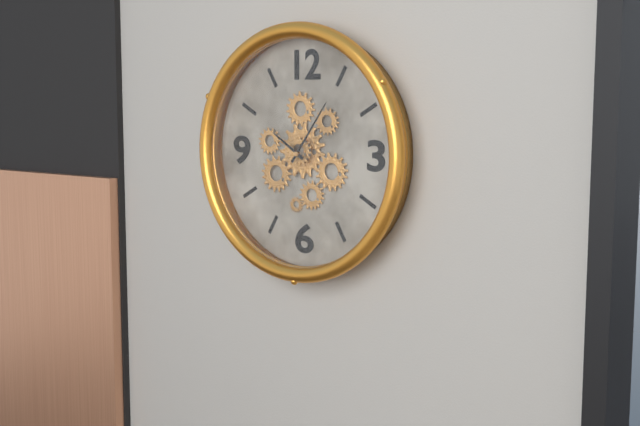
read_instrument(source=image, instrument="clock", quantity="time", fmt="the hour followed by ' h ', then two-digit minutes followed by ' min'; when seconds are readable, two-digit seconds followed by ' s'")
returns 10 h 06 min
